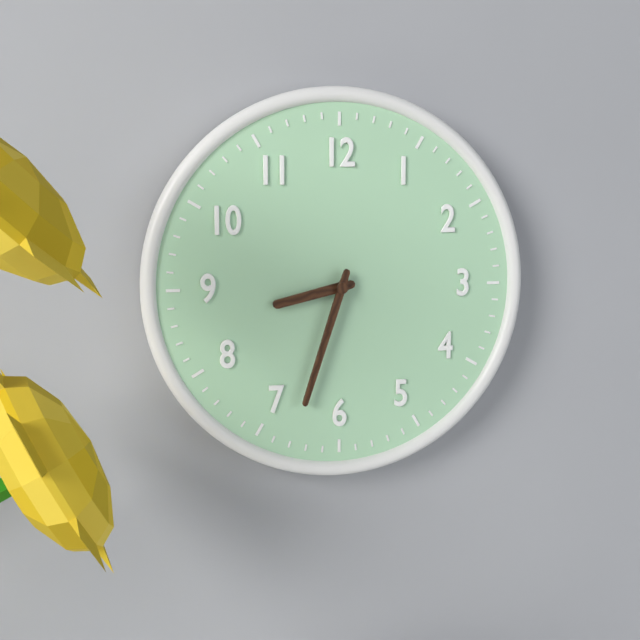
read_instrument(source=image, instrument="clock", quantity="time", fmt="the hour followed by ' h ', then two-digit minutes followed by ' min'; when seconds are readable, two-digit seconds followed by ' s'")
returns 8 h 33 min
